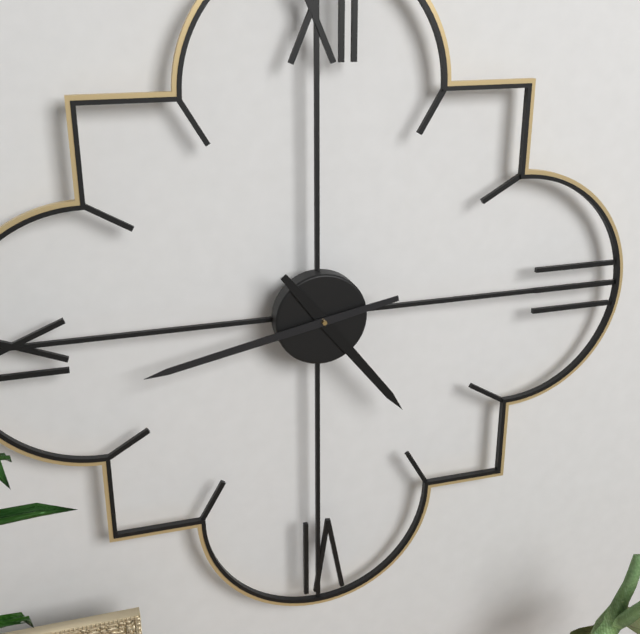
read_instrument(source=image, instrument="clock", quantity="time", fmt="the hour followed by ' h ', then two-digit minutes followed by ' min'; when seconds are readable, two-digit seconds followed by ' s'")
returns 4 h 43 min
